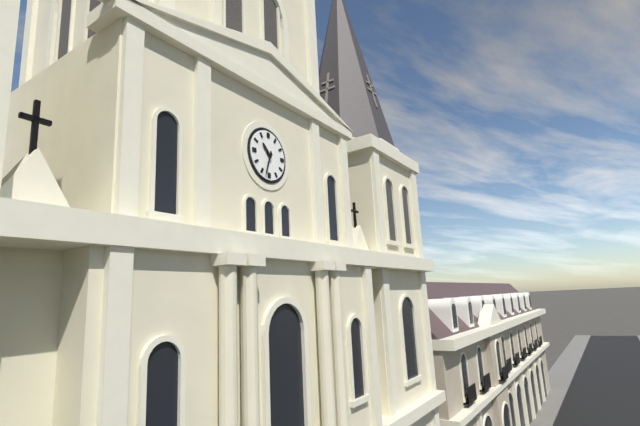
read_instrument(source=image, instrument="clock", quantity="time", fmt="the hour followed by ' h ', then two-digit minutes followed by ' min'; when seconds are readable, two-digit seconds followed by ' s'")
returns 10 h 33 min
